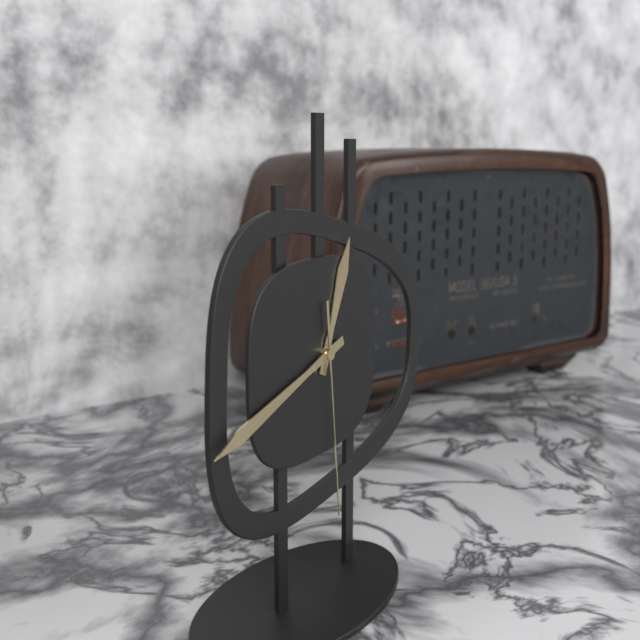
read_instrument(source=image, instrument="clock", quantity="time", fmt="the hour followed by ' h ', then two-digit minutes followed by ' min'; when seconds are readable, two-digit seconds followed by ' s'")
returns 12 h 42 min 29 s
